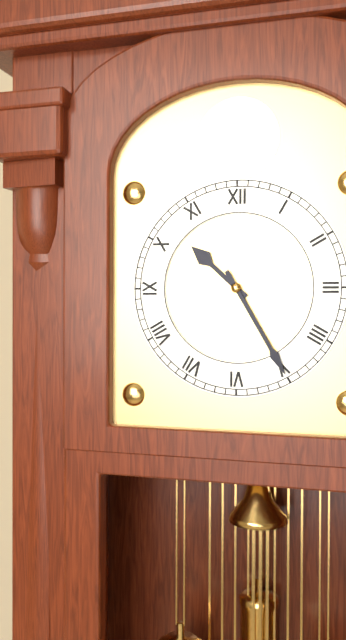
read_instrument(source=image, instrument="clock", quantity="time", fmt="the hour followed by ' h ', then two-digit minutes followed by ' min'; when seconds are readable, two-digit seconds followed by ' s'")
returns 10 h 25 min
